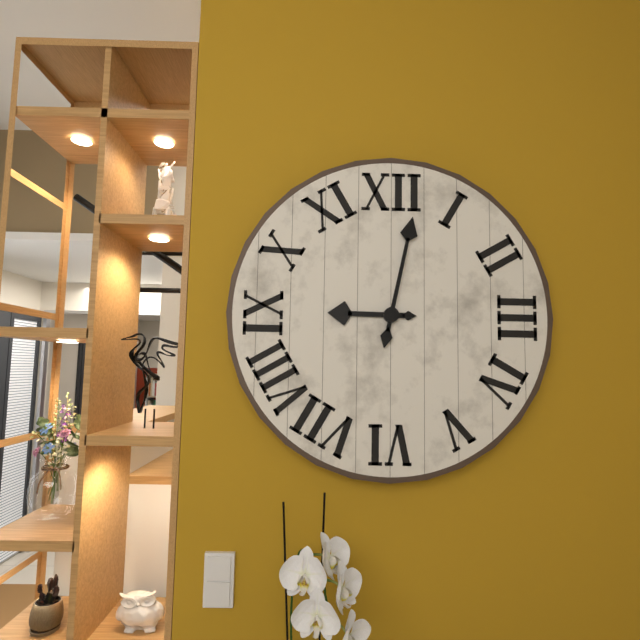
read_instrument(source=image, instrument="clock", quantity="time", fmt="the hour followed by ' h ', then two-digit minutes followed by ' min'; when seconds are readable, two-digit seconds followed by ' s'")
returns 9 h 02 min
